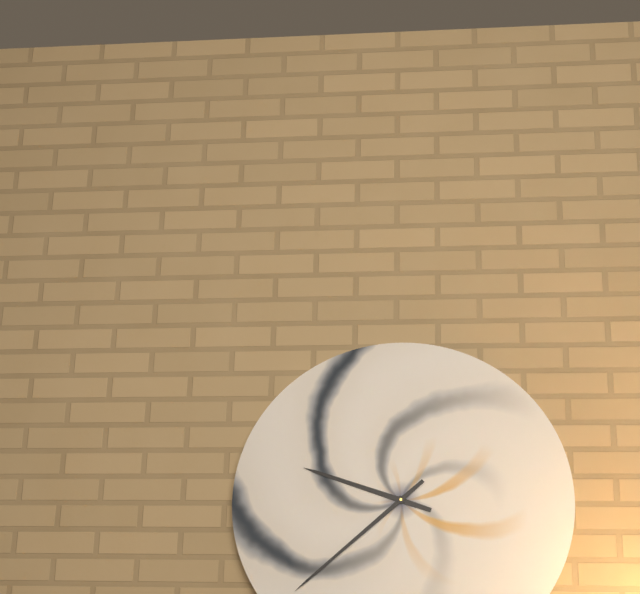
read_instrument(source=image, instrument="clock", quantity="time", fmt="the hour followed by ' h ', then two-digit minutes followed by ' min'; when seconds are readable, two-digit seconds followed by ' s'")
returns 9 h 38 min
